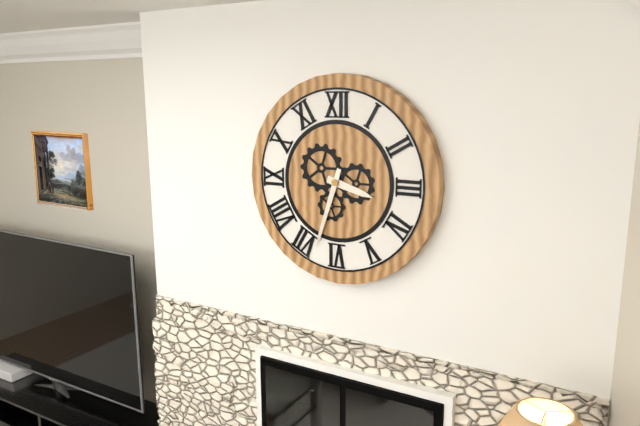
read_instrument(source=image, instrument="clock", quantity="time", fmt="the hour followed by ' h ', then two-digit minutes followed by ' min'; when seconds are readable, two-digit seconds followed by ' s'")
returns 3 h 33 min
